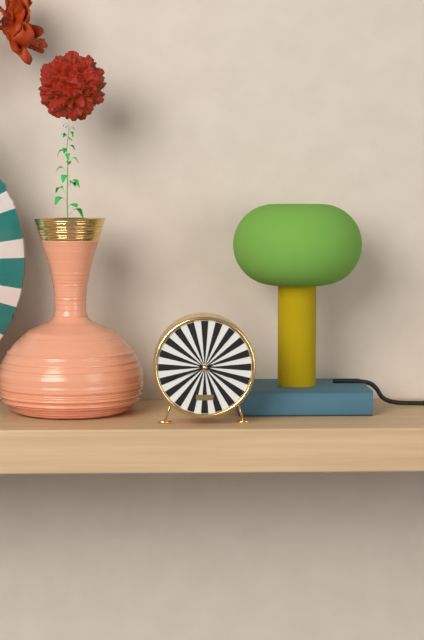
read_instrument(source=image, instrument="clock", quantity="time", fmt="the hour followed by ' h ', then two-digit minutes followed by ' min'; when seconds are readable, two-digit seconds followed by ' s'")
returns 3 h 42 min
